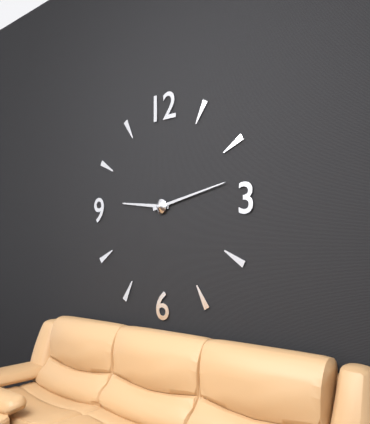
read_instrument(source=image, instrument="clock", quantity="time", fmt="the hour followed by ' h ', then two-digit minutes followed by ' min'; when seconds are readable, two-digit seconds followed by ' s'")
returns 9 h 13 min
